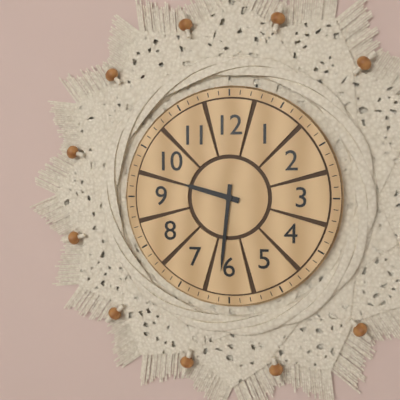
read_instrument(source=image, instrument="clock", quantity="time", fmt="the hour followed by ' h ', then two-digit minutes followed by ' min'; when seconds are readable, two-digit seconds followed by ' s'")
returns 9 h 31 min
